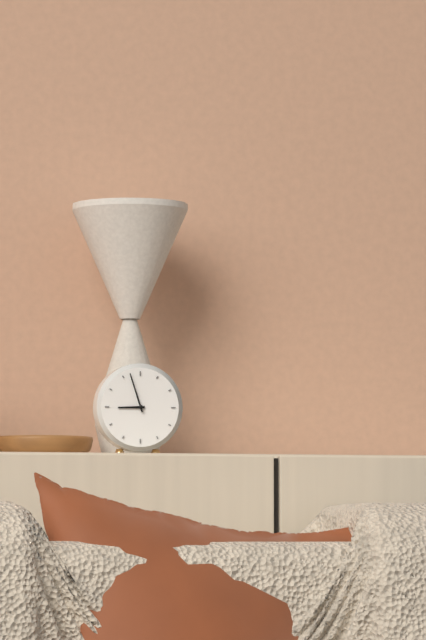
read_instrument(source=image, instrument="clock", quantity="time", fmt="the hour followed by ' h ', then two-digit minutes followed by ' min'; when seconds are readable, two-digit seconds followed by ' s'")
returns 8 h 57 min
